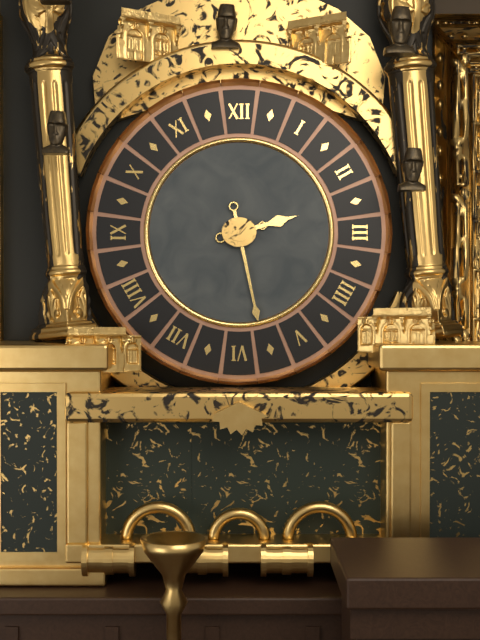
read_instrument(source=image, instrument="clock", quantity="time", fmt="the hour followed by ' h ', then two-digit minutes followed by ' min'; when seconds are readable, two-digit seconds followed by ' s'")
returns 2 h 28 min
